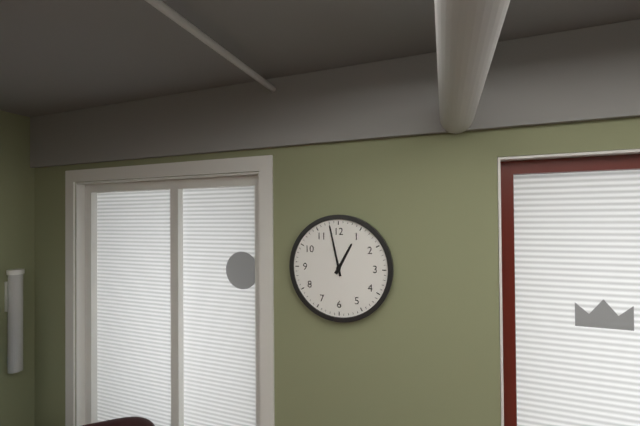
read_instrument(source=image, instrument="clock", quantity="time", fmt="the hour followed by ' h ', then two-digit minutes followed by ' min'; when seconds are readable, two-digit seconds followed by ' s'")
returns 12 h 58 min
